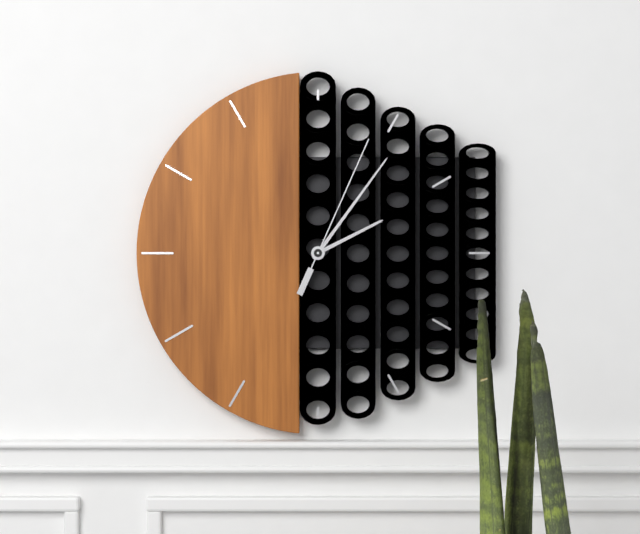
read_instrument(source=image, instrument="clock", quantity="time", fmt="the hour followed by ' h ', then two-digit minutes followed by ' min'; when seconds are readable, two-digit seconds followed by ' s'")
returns 2 h 06 min 04 s
